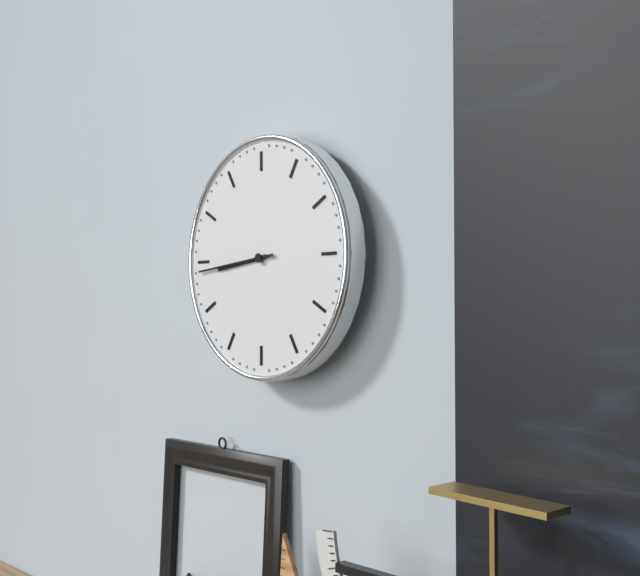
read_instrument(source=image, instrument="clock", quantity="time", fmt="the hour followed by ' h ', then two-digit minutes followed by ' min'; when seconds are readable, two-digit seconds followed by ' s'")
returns 8 h 44 min
